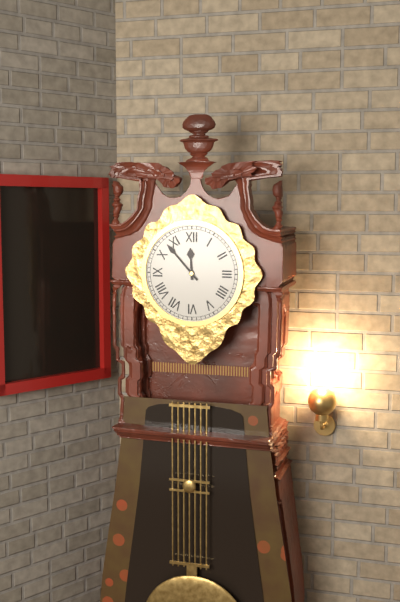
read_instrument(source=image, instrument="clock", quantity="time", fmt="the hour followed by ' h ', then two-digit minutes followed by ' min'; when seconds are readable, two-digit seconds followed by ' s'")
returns 11 h 53 min
